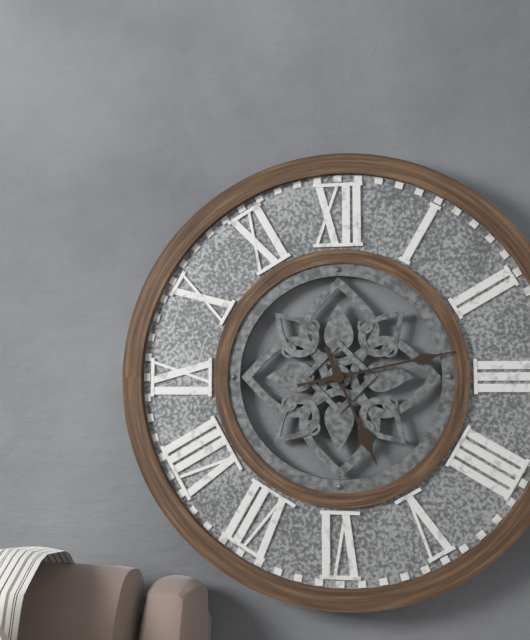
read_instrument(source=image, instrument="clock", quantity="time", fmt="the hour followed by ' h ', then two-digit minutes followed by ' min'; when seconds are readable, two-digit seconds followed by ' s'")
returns 5 h 13 min
